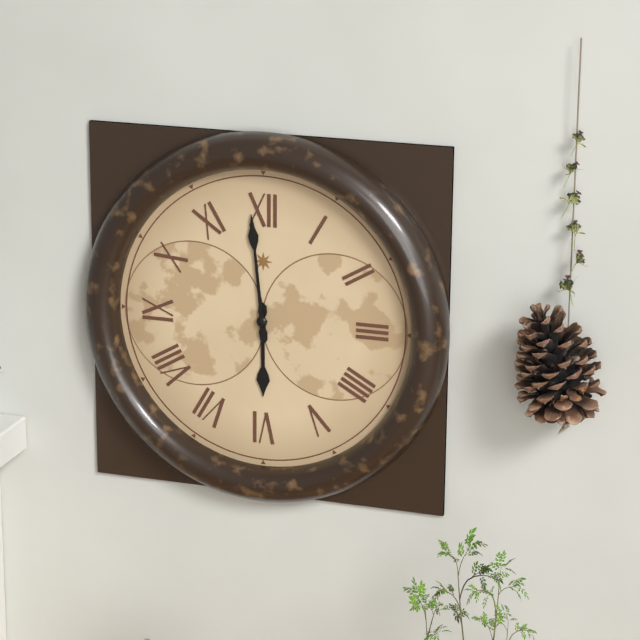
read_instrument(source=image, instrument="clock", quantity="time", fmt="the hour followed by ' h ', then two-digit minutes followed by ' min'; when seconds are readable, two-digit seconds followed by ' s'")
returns 5 h 59 min
